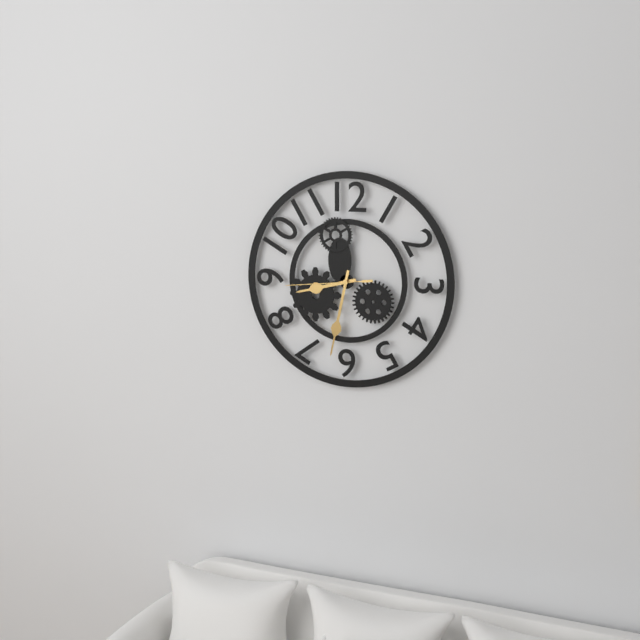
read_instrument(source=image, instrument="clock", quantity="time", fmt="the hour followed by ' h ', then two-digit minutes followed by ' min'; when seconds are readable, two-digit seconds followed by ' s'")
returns 8 h 32 min 44 s
